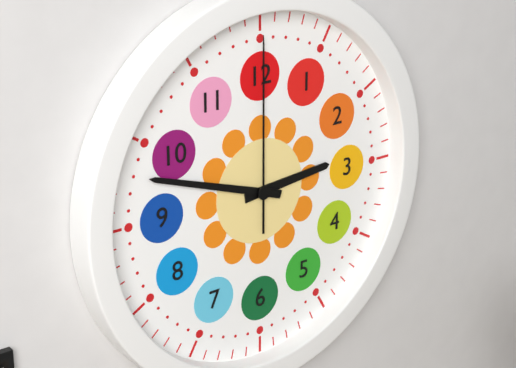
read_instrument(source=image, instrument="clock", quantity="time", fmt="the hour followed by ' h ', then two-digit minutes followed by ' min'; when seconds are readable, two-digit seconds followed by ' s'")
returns 2 h 48 min 00 s
